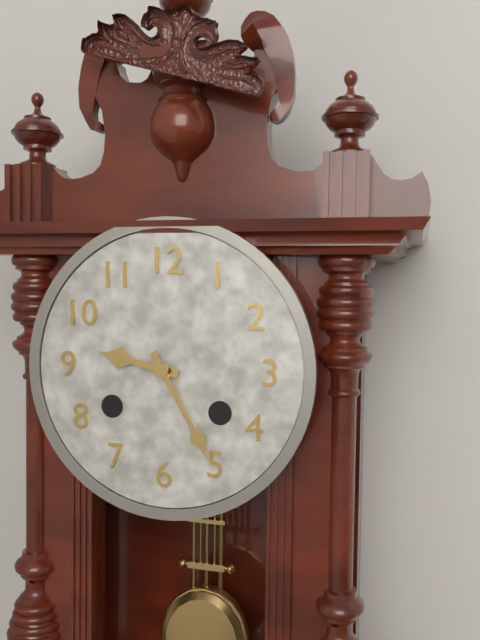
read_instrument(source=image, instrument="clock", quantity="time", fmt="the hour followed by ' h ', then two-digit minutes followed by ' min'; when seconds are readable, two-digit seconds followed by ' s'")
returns 9 h 25 min
